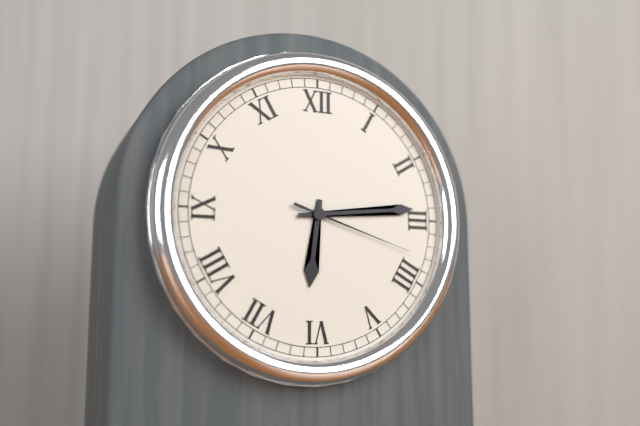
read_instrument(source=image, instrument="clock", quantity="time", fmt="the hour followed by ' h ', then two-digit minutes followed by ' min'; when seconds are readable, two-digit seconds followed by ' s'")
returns 6 h 14 min 18 s
